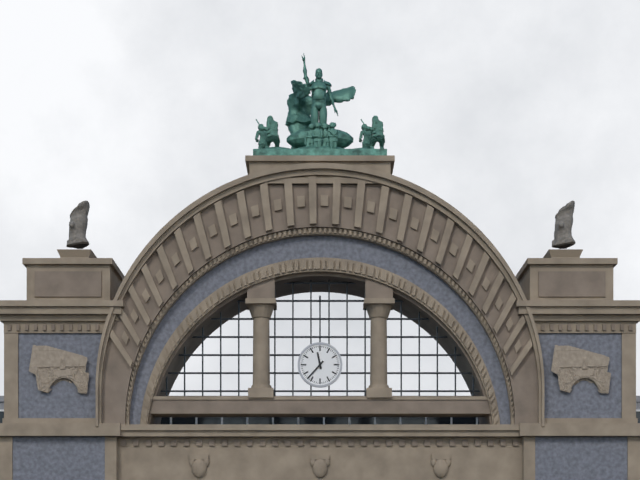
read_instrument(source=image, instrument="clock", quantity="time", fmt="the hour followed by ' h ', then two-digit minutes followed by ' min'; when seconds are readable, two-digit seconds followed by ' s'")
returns 11 h 37 min
